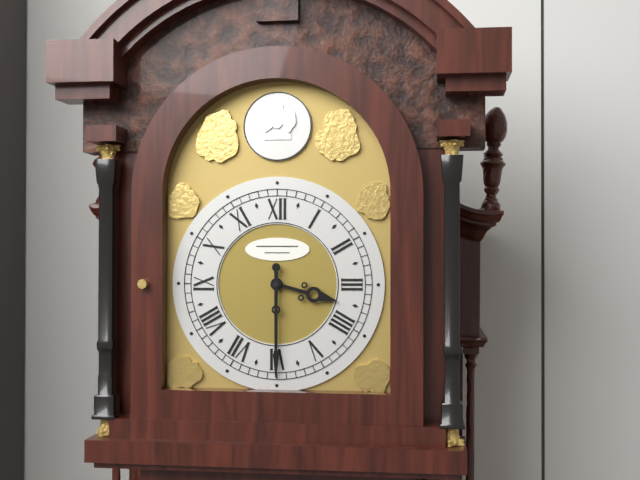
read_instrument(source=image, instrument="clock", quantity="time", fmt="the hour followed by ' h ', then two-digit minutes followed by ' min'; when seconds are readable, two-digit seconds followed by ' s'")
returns 3 h 30 min
